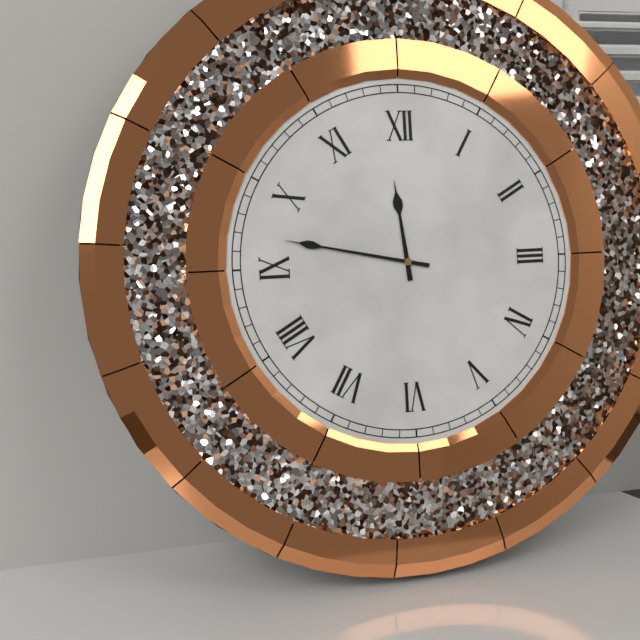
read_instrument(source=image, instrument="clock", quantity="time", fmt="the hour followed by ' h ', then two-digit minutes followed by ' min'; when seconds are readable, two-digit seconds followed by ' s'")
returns 11 h 47 min
